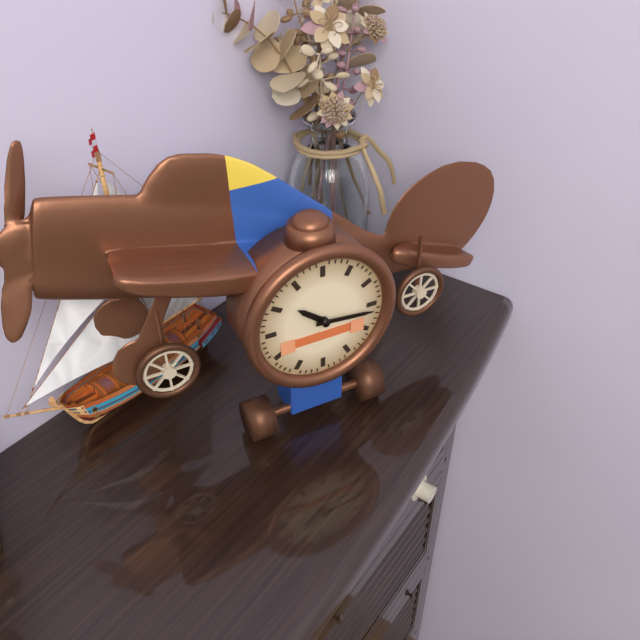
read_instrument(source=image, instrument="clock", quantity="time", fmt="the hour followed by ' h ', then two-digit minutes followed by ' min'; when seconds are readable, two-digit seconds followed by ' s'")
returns 10 h 16 min
